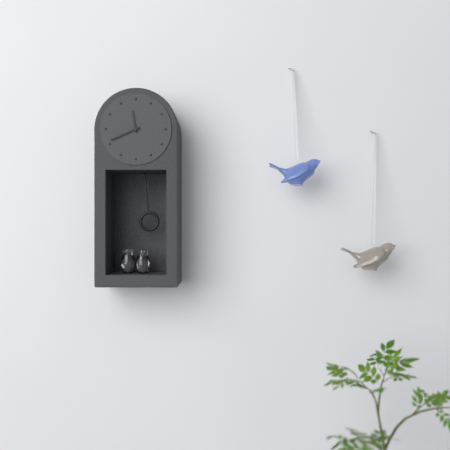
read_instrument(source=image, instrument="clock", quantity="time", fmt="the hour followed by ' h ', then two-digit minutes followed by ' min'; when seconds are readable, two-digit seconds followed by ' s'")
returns 11 h 41 min
